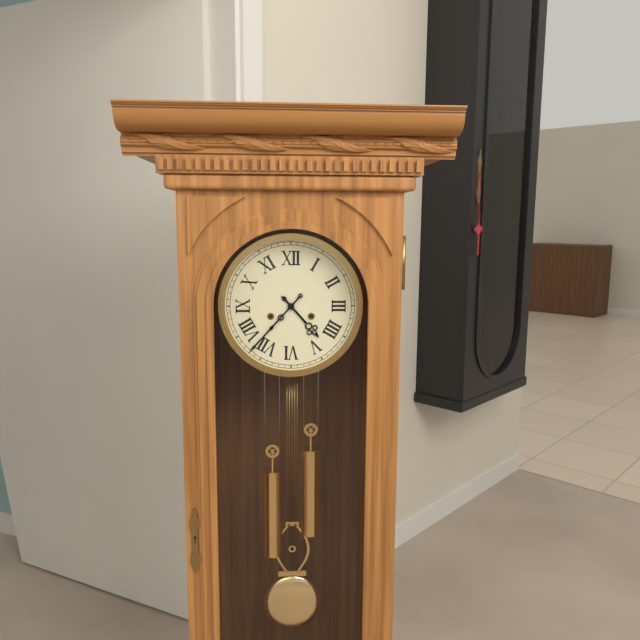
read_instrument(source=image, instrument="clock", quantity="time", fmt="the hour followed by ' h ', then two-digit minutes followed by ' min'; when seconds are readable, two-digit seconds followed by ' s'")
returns 4 h 37 min
